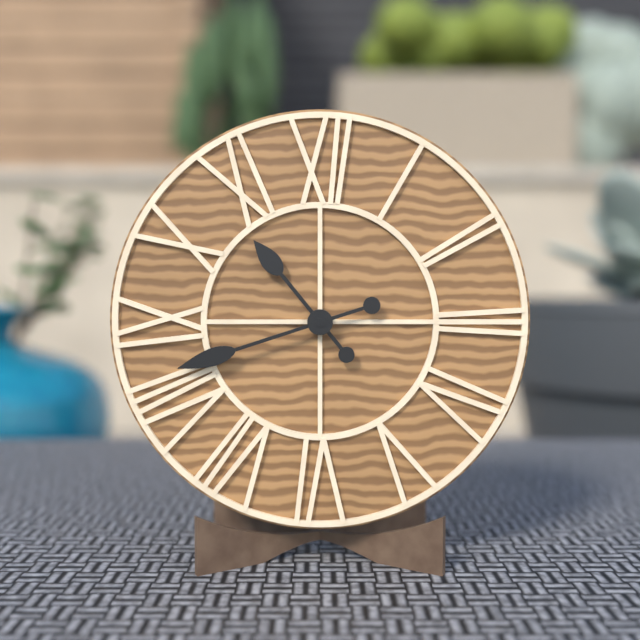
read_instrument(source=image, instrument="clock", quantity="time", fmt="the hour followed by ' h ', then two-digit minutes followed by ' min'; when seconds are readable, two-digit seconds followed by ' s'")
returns 10 h 42 min
